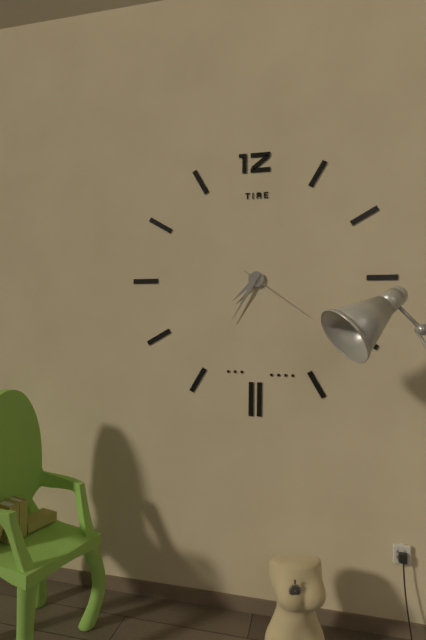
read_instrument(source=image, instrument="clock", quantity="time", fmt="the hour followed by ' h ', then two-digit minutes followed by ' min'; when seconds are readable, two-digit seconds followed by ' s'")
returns 7 h 35 min 21 s
